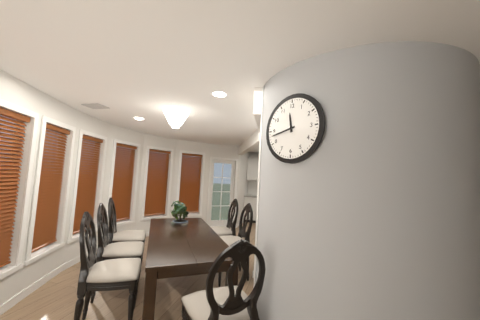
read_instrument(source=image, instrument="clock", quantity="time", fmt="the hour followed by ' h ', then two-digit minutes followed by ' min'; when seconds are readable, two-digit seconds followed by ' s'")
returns 11 h 43 min
